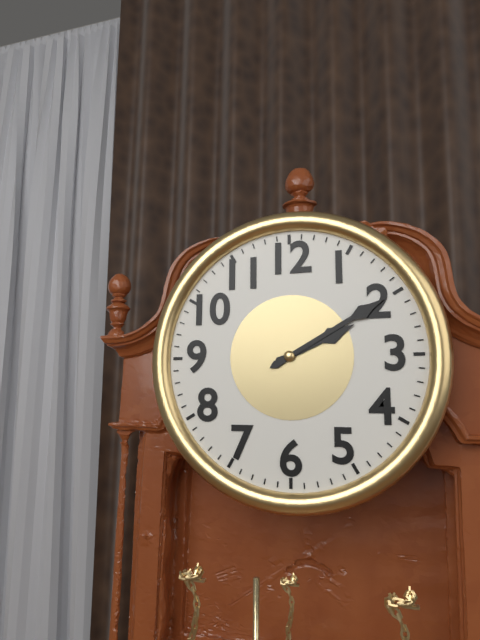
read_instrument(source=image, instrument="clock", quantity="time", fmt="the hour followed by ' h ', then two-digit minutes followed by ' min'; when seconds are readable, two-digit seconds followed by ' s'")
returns 2 h 10 min
